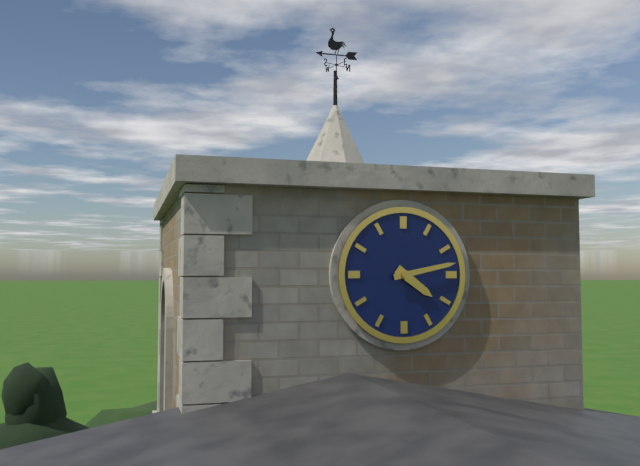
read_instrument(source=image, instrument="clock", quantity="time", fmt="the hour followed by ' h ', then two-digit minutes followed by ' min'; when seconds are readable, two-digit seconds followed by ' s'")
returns 4 h 13 min
